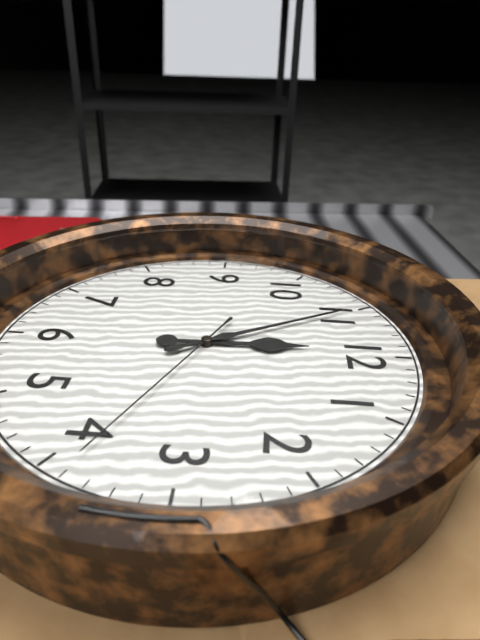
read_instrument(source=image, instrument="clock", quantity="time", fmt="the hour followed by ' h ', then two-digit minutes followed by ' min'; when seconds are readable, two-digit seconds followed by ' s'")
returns 11 h 55 min 19 s
